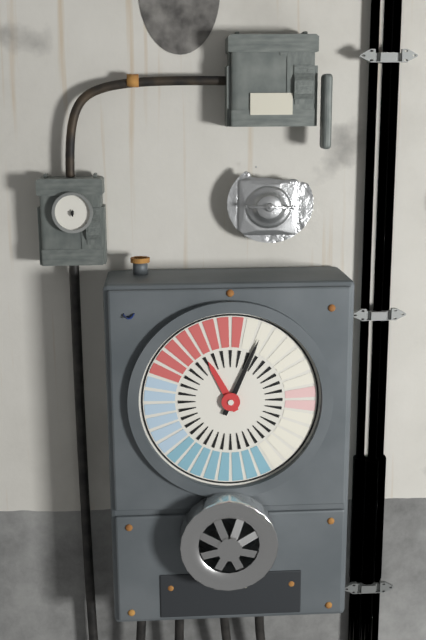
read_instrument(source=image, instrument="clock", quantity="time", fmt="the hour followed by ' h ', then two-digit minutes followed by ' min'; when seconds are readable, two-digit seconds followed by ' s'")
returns 11 h 04 min
